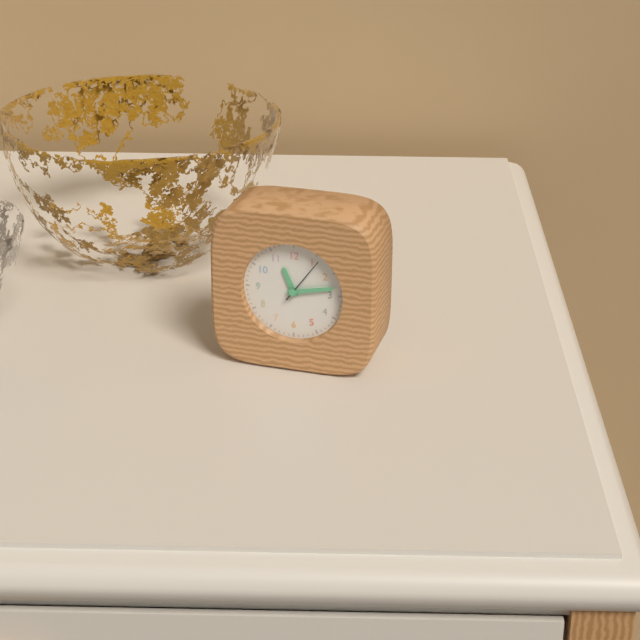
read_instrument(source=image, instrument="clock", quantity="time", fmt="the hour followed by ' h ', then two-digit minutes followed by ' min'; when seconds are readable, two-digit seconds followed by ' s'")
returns 11 h 13 min 06 s
